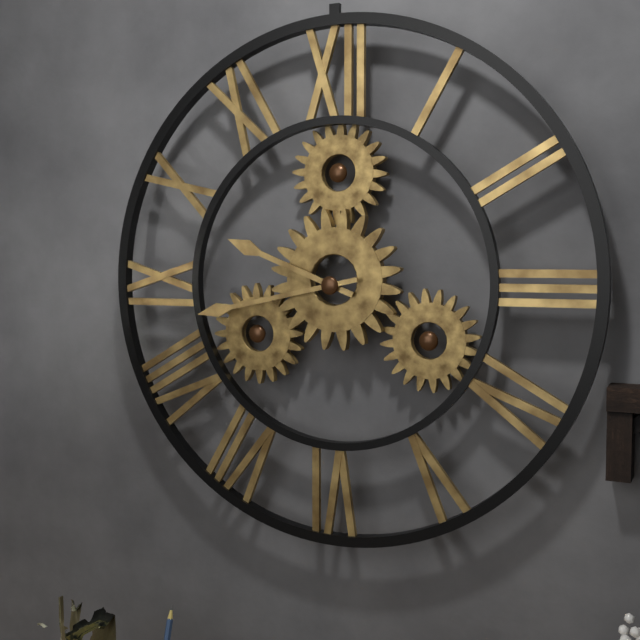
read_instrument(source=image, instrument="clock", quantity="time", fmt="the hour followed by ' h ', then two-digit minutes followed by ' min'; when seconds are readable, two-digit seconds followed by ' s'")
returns 9 h 43 min
